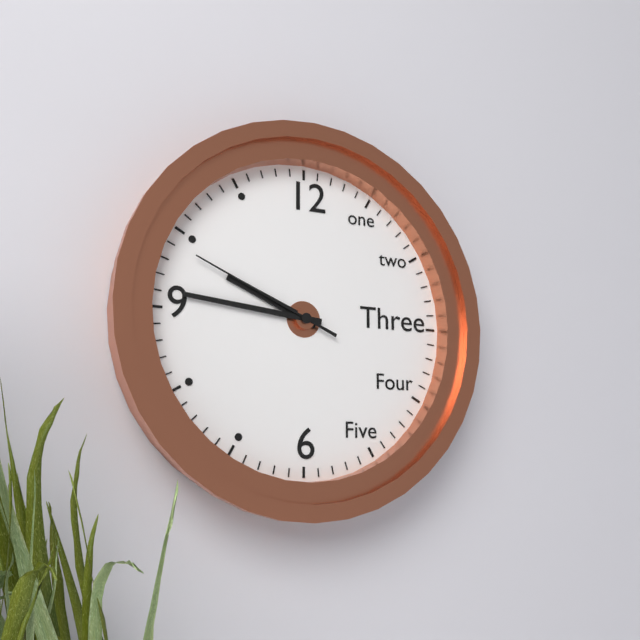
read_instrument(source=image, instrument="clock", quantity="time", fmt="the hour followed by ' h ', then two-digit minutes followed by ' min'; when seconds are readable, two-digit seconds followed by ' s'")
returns 9 h 46 min 49 s
